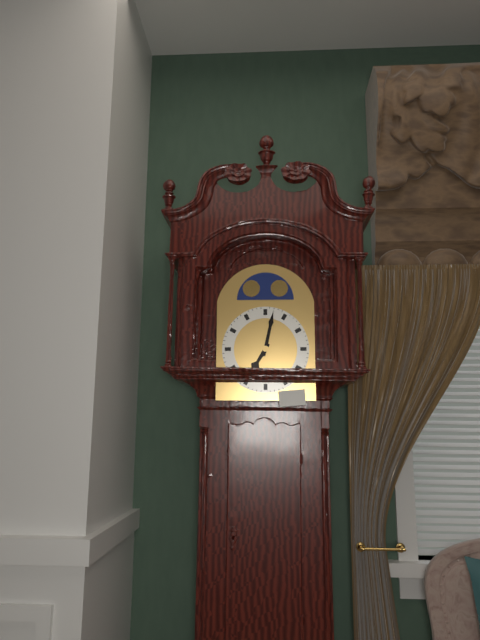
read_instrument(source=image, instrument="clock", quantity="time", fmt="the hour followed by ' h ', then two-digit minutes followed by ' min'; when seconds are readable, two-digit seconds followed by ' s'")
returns 7 h 02 min
